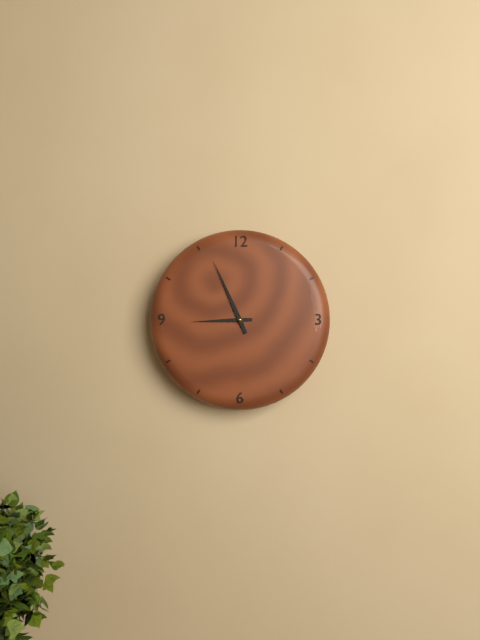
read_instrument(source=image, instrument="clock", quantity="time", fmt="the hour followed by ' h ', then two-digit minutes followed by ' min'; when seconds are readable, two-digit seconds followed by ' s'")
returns 8 h 56 min
